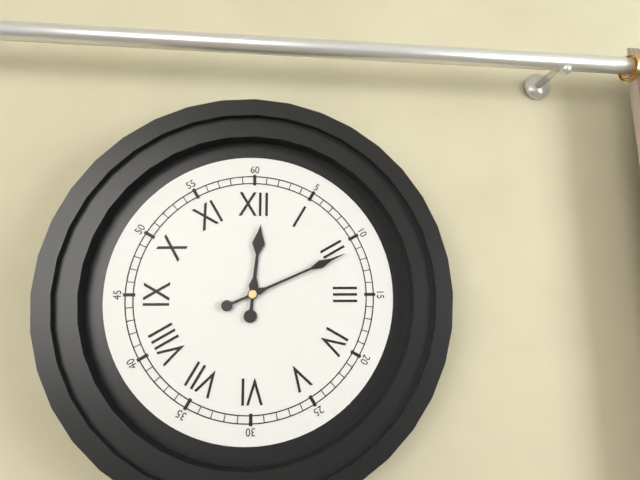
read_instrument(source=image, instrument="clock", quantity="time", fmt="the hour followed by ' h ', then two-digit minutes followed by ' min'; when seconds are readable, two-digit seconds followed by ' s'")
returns 12 h 11 min
